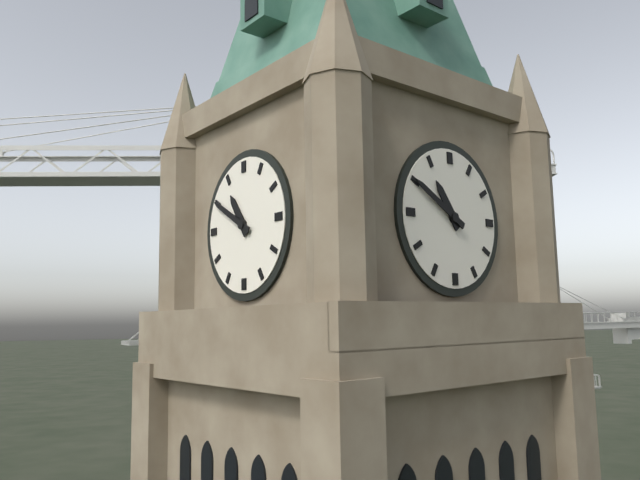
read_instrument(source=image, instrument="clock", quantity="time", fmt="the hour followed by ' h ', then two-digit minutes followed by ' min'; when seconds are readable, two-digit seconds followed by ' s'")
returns 10 h 50 min
